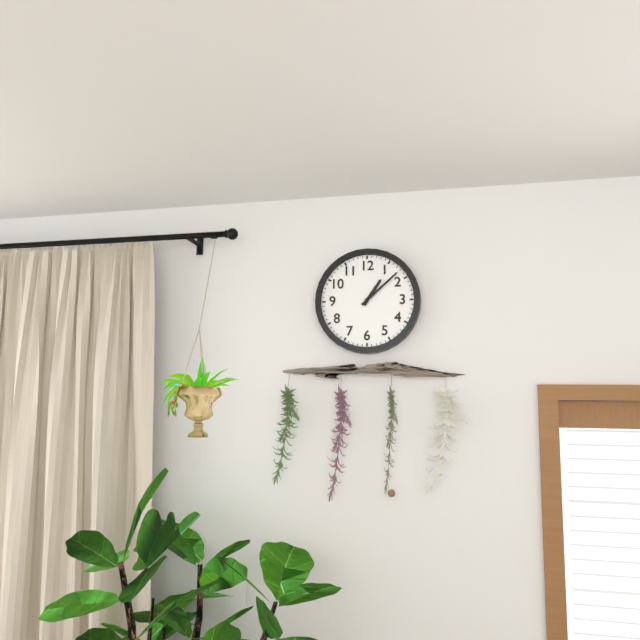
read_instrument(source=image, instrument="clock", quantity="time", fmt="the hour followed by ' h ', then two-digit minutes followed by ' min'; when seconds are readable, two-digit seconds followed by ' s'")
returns 1 h 08 min
